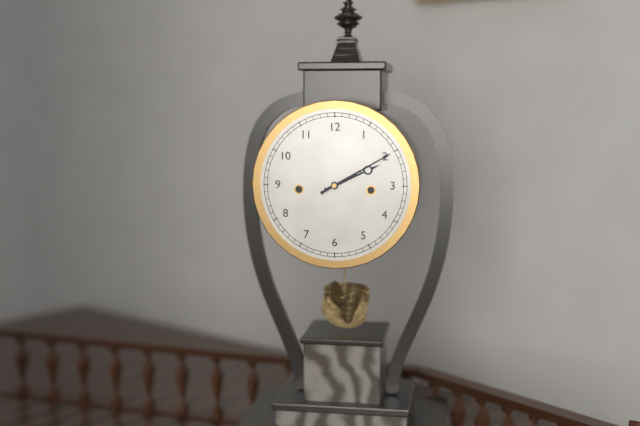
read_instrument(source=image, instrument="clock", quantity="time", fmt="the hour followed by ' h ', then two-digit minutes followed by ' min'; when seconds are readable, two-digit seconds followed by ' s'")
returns 2 h 10 min
